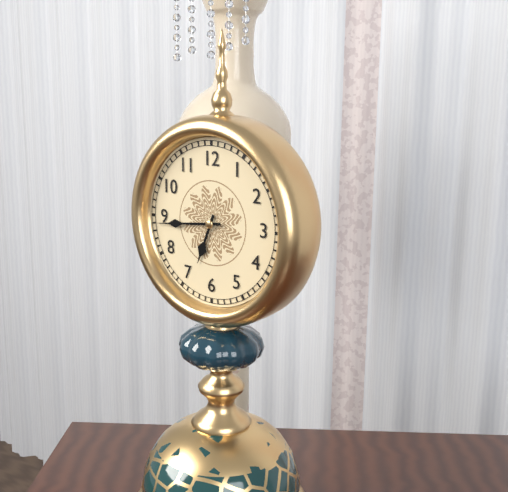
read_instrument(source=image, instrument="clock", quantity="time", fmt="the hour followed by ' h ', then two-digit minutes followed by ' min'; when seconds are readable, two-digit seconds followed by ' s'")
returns 6 h 44 min
